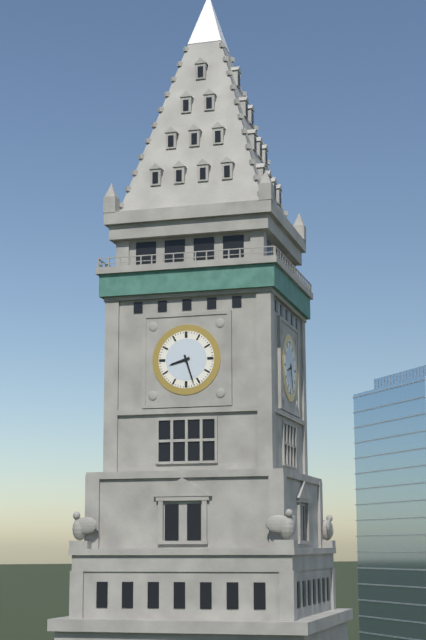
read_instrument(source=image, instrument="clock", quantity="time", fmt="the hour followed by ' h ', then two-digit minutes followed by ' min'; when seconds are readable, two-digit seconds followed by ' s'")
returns 8 h 27 min
